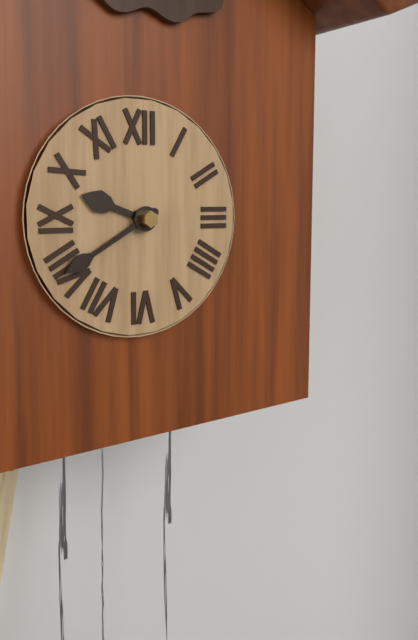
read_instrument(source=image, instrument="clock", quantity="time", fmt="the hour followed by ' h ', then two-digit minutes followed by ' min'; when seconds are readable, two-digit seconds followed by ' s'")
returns 9 h 40 min
